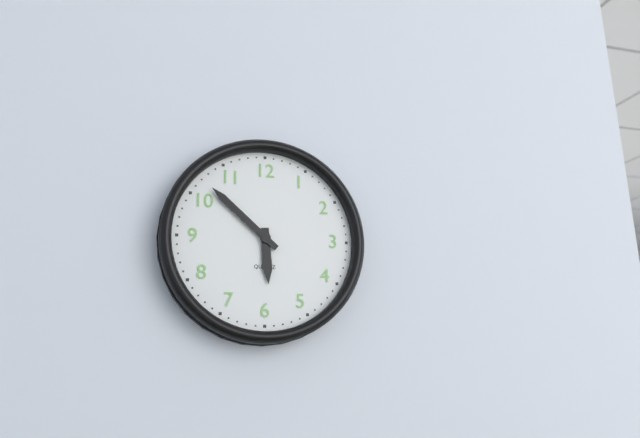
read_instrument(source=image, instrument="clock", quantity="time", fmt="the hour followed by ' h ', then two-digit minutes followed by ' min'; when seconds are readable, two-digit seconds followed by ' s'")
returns 5 h 52 min
